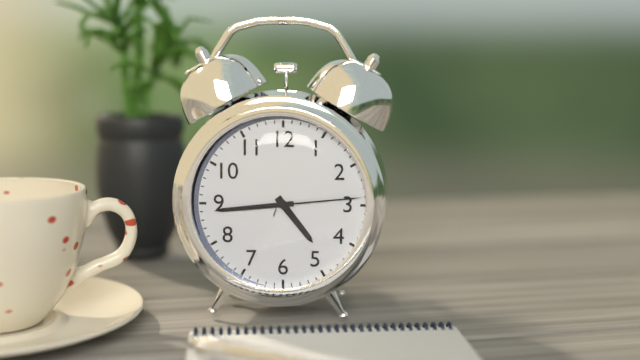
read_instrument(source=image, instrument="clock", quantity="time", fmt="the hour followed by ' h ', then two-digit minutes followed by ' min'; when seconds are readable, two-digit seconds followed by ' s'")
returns 4 h 44 min 14 s
